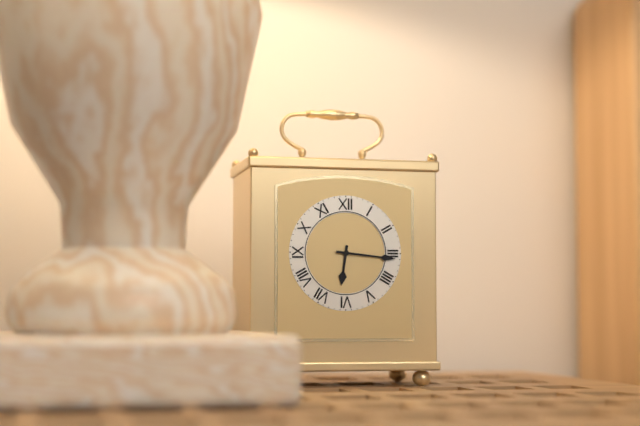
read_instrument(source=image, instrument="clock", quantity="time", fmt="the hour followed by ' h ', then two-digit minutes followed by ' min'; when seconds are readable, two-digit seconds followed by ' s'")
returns 6 h 16 min
